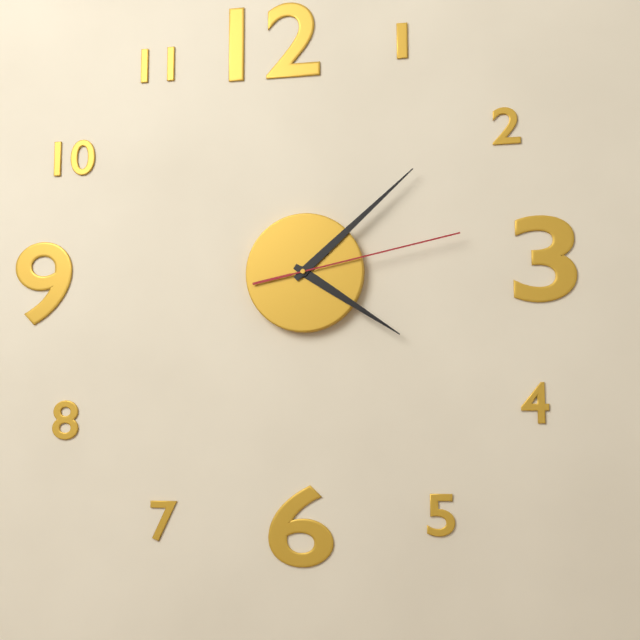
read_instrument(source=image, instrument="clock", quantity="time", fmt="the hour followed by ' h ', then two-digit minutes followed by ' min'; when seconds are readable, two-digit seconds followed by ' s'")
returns 4 h 08 min 13 s
